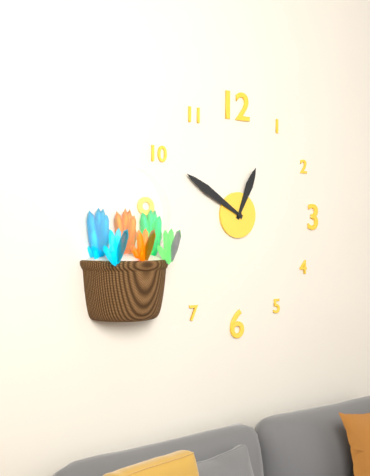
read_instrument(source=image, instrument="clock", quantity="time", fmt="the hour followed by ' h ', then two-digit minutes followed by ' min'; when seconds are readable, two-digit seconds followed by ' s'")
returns 12 h 50 min
